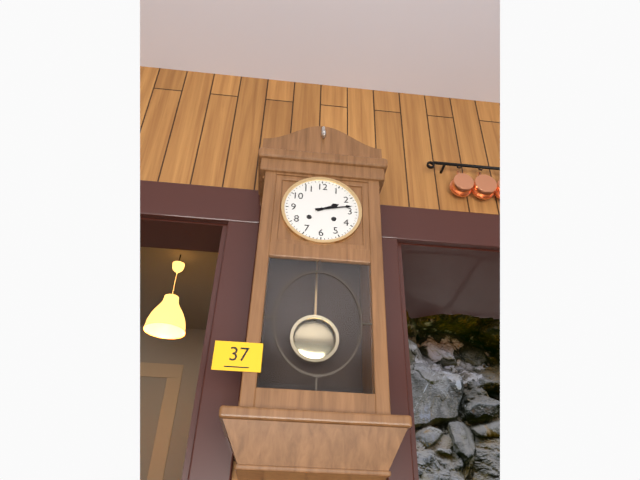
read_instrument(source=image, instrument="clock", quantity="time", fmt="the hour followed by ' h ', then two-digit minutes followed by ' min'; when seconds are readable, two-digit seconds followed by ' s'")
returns 2 h 13 min
